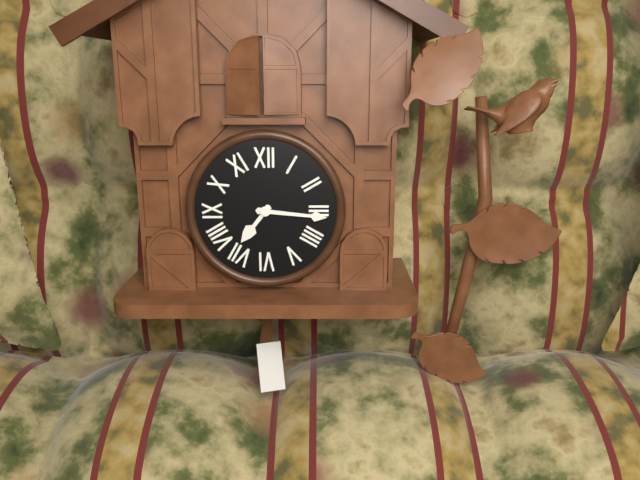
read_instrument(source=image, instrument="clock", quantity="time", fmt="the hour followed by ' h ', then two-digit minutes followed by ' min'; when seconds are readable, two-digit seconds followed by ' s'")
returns 7 h 16 min
